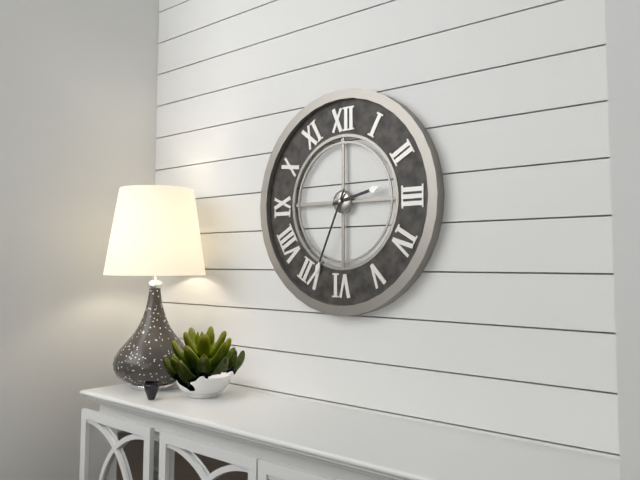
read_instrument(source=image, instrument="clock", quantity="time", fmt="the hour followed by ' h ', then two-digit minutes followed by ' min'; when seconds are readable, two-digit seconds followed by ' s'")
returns 2 h 34 min
